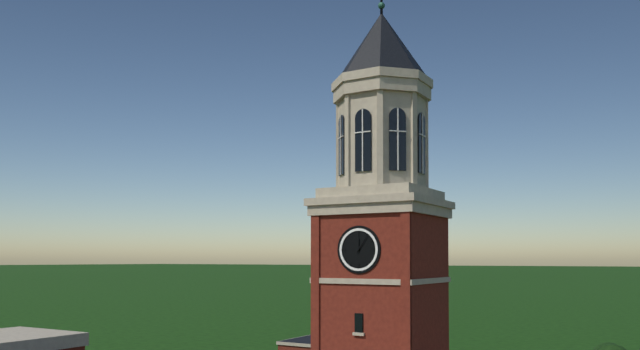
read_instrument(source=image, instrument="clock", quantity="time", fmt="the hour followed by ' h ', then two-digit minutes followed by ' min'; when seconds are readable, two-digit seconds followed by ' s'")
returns 12 h 06 min
